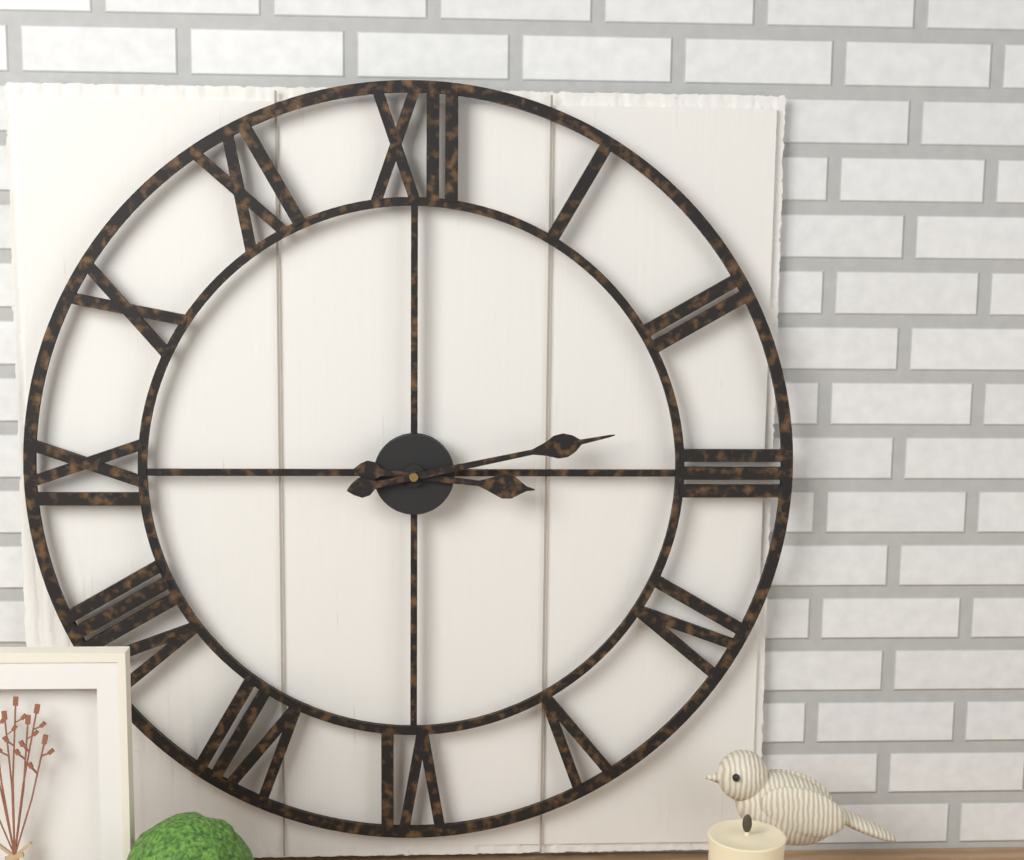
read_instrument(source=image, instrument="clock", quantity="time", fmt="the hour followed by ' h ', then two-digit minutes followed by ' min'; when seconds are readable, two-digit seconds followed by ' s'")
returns 3 h 13 min
